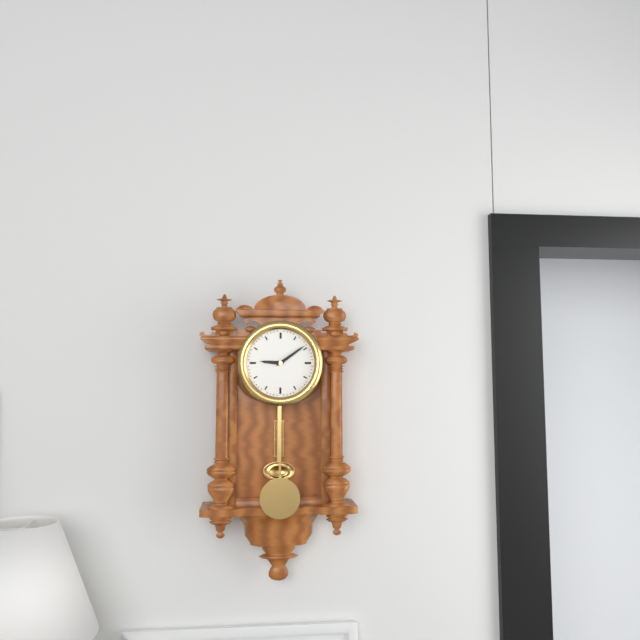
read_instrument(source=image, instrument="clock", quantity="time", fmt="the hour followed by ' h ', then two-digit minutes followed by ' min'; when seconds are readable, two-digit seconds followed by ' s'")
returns 9 h 09 min
